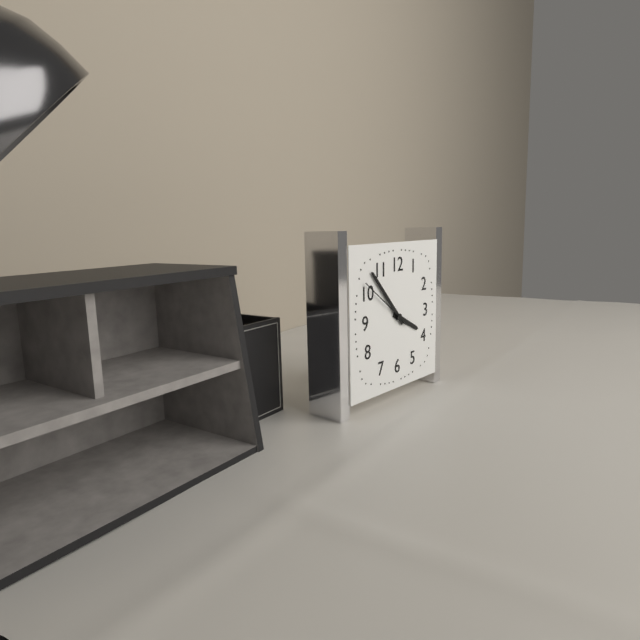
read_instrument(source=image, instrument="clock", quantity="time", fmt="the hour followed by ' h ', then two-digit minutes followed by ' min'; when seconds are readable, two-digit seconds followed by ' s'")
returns 3 h 53 min 51 s
